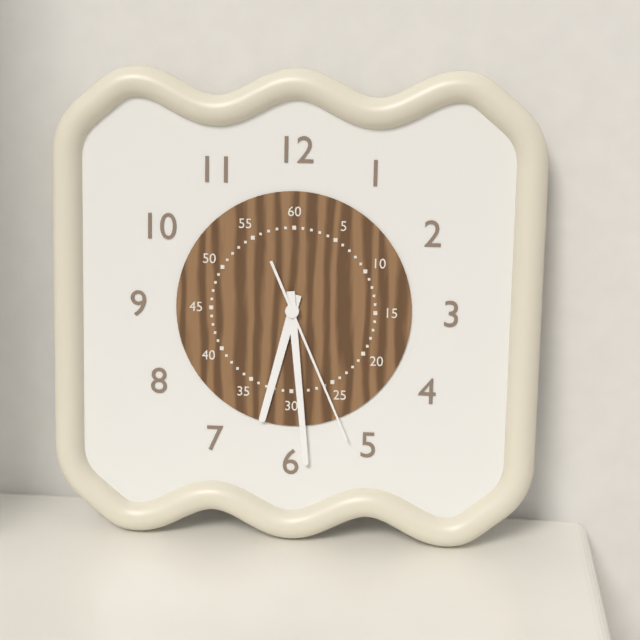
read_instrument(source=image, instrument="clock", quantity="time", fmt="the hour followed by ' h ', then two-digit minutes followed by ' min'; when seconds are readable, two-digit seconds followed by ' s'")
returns 6 h 29 min 26 s
